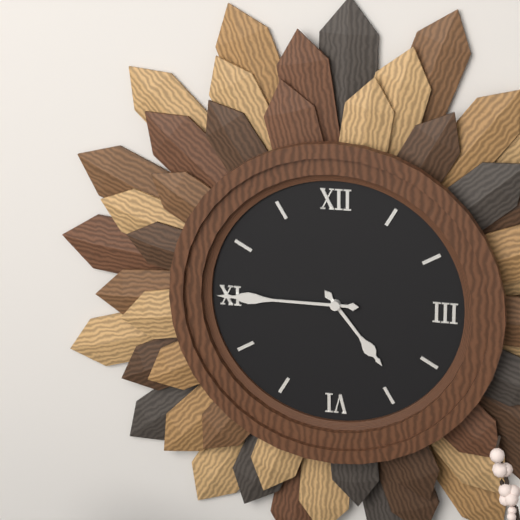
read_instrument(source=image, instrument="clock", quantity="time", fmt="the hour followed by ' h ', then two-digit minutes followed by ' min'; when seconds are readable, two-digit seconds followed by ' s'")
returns 4 h 45 min
